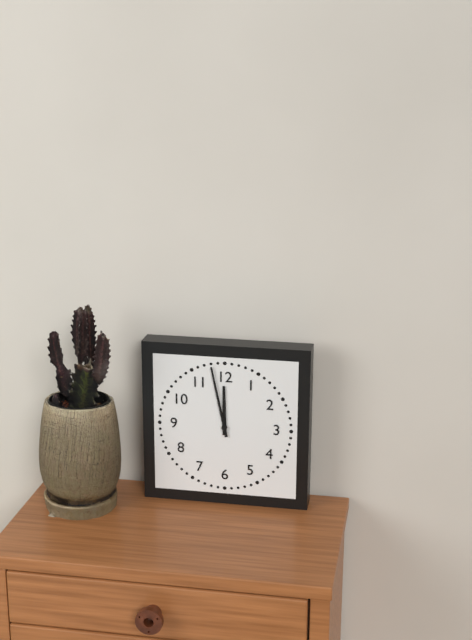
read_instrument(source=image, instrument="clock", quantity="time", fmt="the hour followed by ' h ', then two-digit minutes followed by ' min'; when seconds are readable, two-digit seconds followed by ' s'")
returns 11 h 58 min
